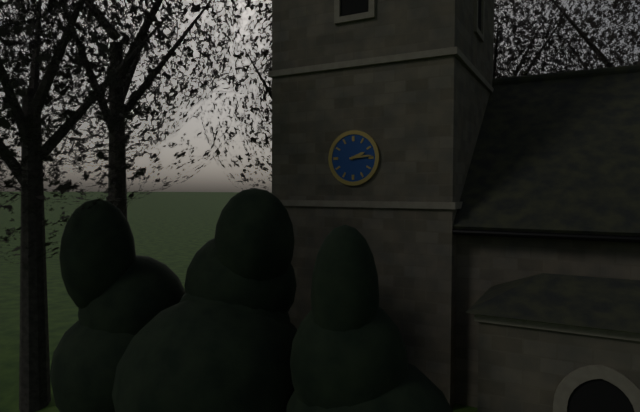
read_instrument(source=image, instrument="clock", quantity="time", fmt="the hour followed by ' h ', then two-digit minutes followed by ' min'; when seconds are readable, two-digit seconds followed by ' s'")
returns 2 h 14 min
